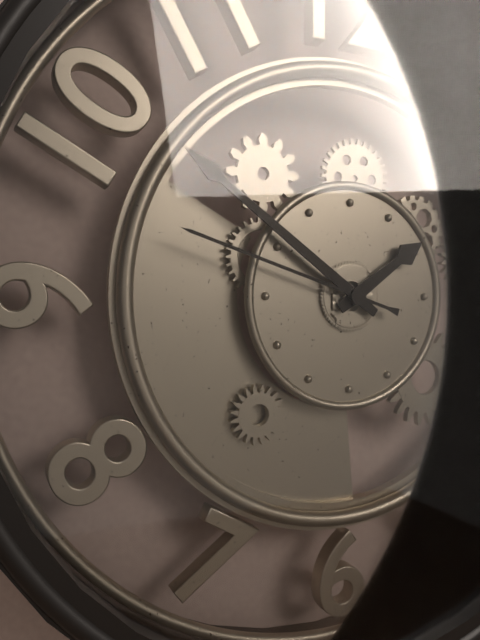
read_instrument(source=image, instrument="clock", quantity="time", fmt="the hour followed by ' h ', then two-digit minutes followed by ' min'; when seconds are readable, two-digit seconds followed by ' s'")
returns 1 h 51 min 48 s
